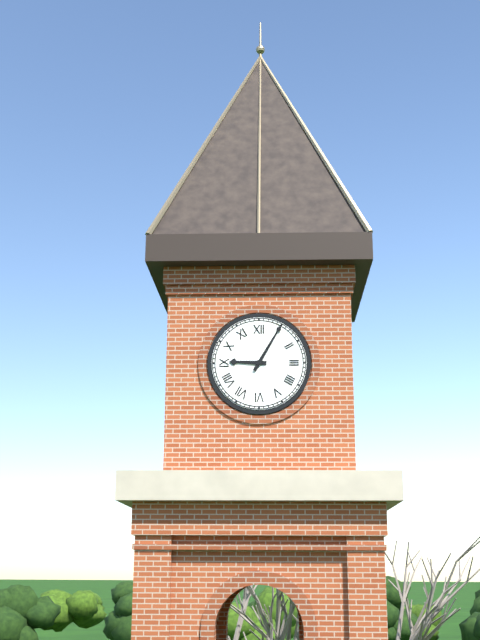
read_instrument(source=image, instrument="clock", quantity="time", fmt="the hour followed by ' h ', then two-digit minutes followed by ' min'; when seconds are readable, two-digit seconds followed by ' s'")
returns 9 h 05 min
